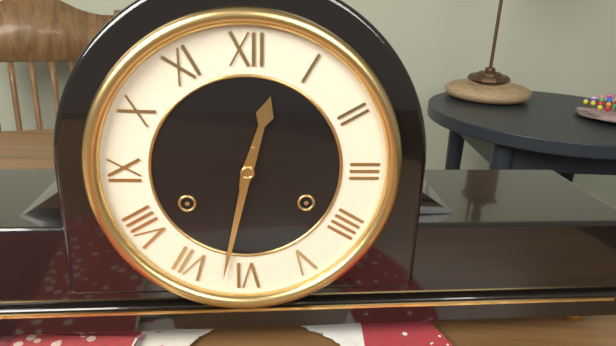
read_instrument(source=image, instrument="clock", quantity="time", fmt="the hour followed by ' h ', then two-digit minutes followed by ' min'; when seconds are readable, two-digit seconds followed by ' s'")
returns 12 h 32 min
